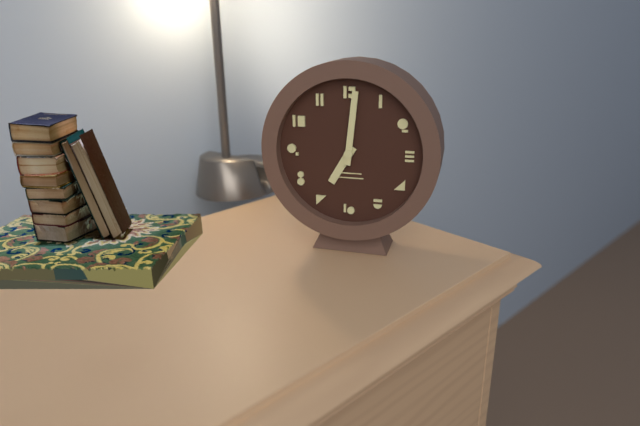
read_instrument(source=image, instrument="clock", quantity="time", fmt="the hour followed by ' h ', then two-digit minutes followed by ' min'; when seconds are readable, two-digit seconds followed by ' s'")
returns 7 h 01 min
